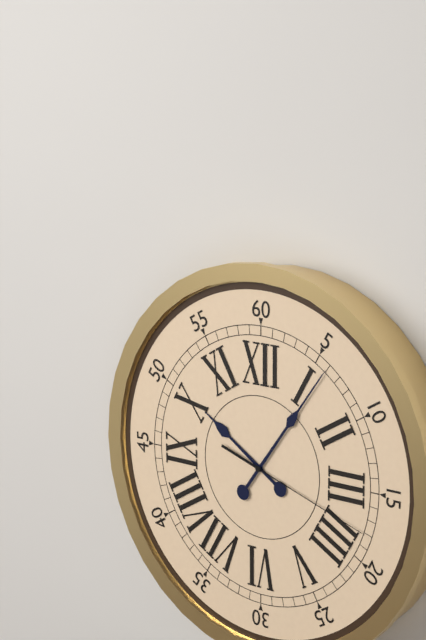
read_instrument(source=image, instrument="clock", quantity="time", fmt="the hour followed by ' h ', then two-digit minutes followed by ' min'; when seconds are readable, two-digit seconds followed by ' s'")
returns 10 h 06 min 18 s
